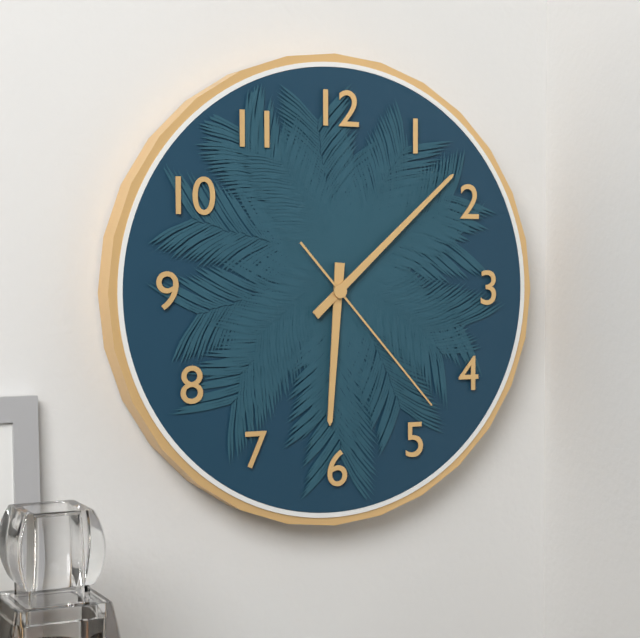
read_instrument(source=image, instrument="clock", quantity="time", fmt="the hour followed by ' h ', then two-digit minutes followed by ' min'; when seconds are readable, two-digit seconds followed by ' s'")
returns 6 h 08 min 23 s
